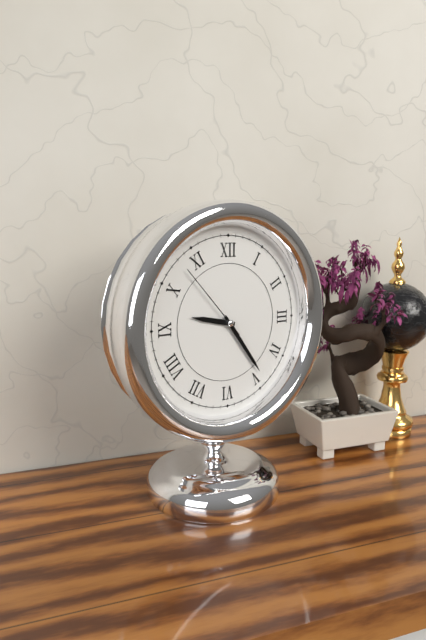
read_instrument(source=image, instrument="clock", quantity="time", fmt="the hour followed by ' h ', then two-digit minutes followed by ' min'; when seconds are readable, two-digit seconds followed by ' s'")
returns 9 h 24 min 53 s
